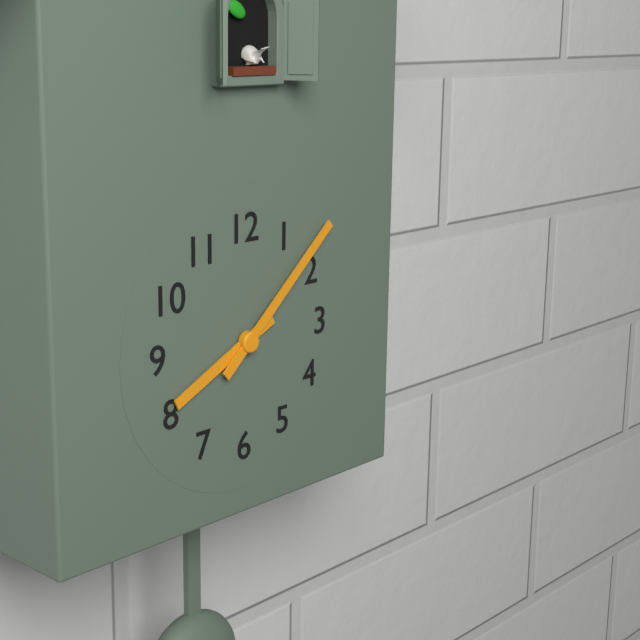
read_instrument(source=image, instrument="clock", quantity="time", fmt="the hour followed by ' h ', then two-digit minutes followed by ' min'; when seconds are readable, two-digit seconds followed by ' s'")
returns 8 h 08 min
